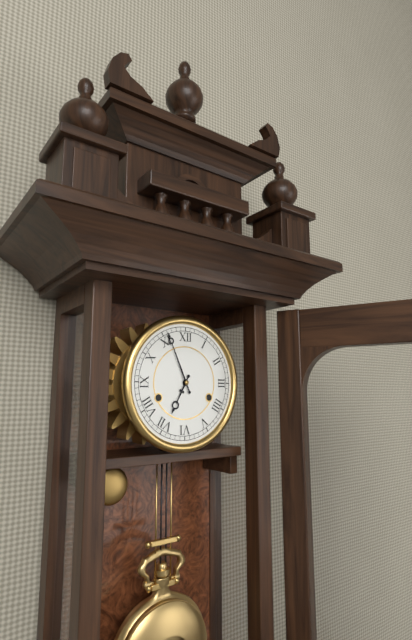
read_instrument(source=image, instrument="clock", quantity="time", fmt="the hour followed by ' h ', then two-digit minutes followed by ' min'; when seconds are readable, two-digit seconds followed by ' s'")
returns 6 h 56 min
